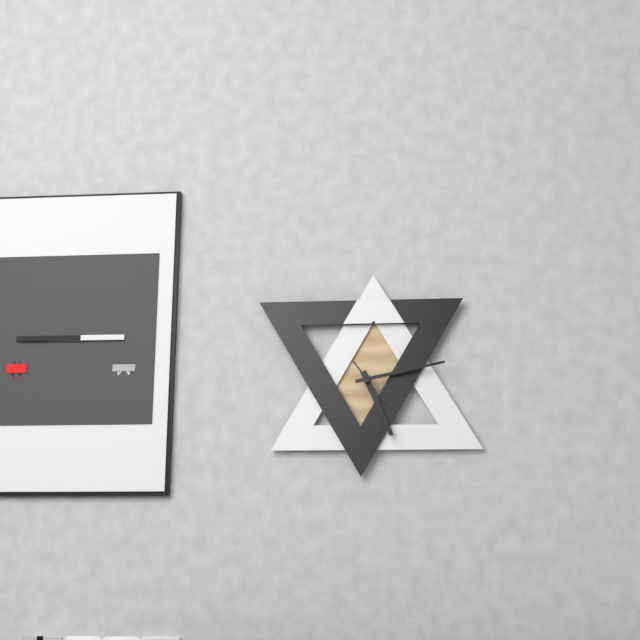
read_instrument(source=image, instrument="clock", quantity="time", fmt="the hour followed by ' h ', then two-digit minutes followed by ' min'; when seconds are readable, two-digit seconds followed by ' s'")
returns 5 h 13 min
